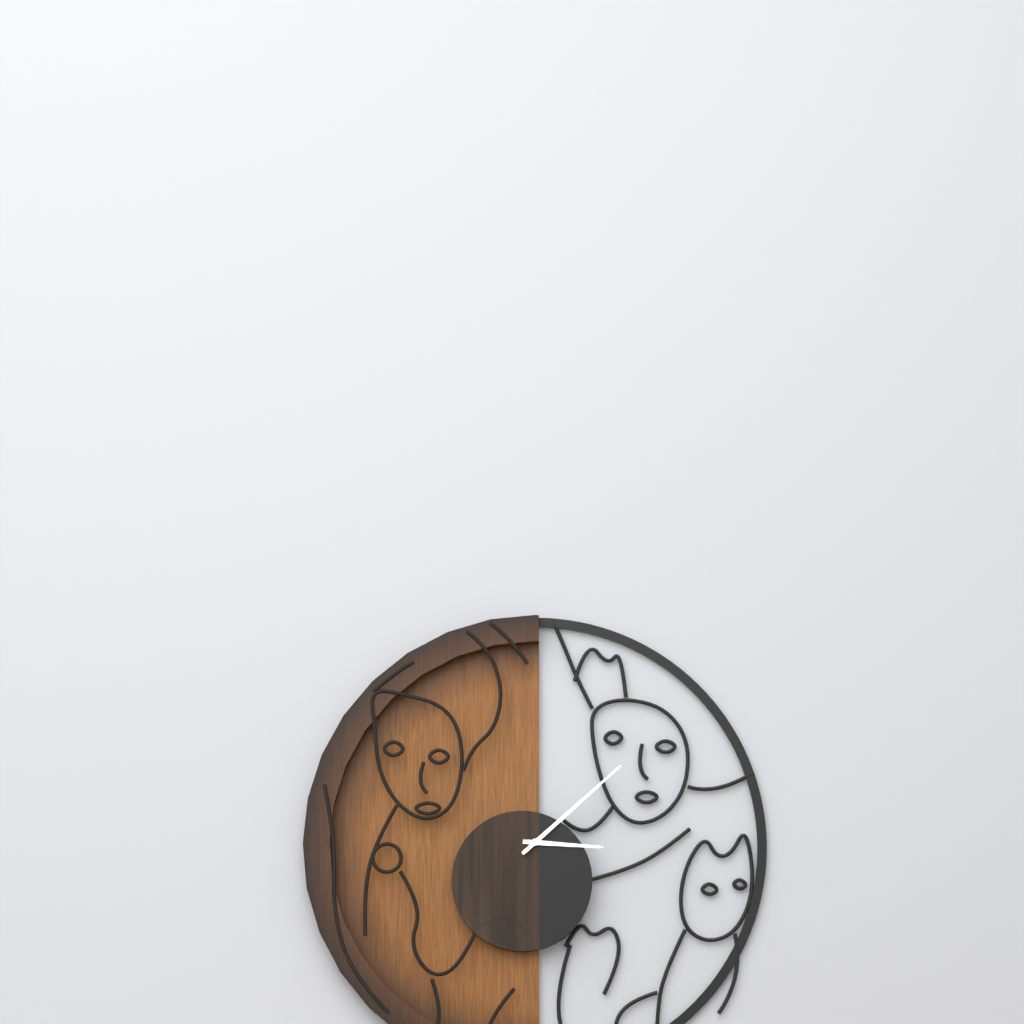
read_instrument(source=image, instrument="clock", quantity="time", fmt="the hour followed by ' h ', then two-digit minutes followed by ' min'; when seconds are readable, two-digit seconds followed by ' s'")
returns 3 h 08 min
